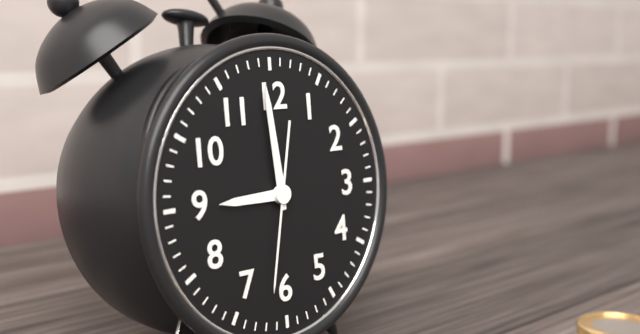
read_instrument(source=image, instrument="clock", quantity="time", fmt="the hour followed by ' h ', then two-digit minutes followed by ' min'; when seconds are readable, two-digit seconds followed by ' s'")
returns 8 h 59 min 32 s
